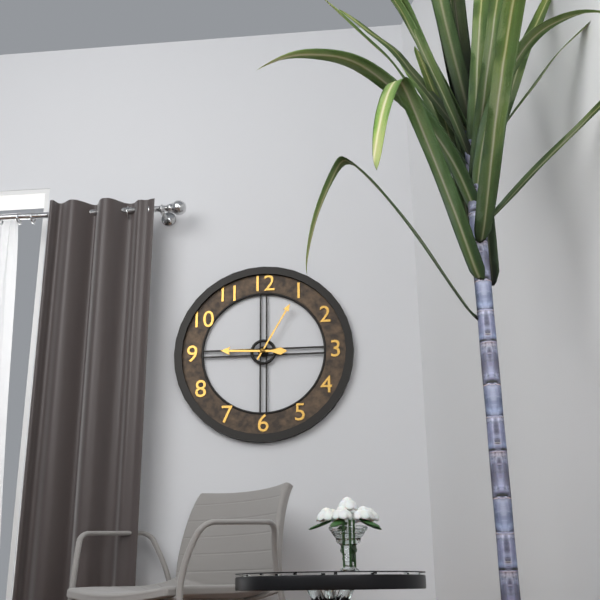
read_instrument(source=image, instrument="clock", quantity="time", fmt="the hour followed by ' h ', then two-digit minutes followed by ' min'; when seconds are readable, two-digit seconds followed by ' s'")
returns 9 h 05 min
